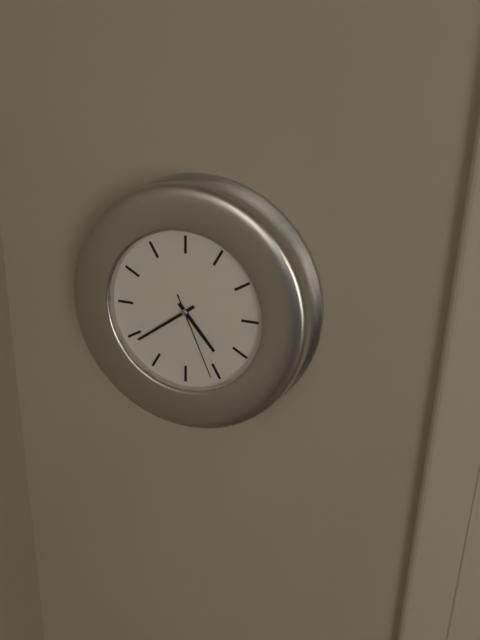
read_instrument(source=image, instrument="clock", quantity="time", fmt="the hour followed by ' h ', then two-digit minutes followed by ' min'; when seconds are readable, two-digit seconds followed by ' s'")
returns 4 h 39 min 26 s
